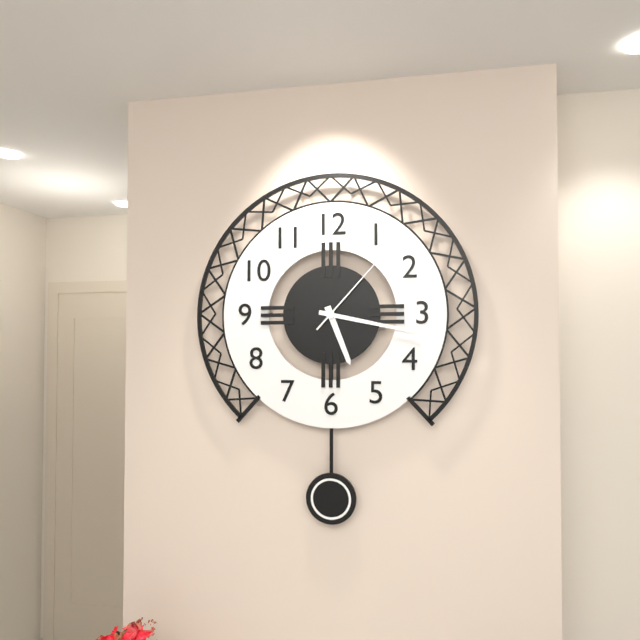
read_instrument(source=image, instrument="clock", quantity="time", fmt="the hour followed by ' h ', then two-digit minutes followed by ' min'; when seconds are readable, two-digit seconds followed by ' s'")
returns 5 h 17 min 07 s
